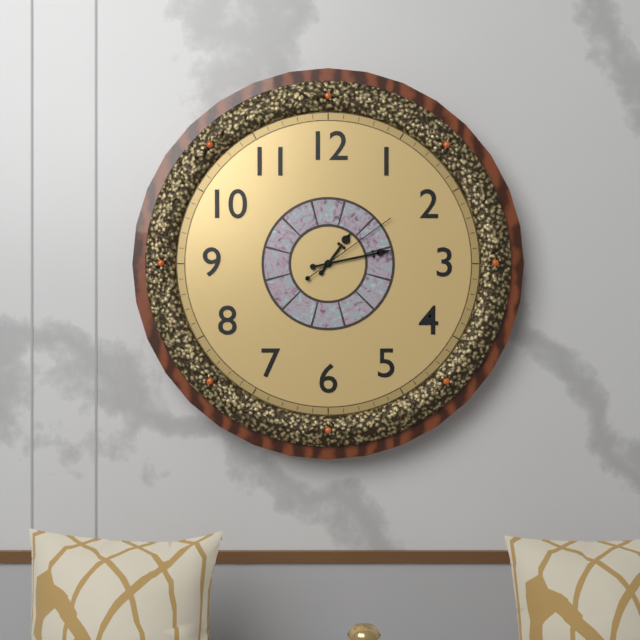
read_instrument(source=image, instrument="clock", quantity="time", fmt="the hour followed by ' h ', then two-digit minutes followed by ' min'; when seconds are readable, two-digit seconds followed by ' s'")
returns 1 h 13 min 09 s
